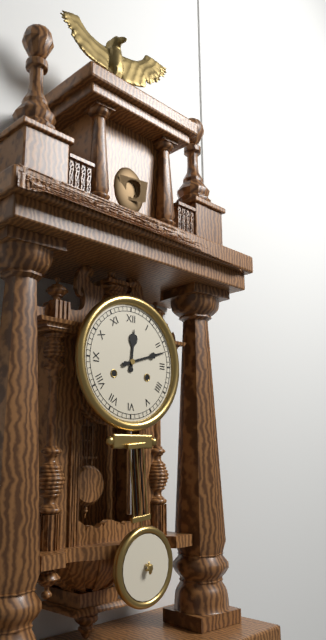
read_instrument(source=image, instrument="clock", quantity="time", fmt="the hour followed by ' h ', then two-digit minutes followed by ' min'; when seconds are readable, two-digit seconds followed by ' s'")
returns 12 h 12 min
